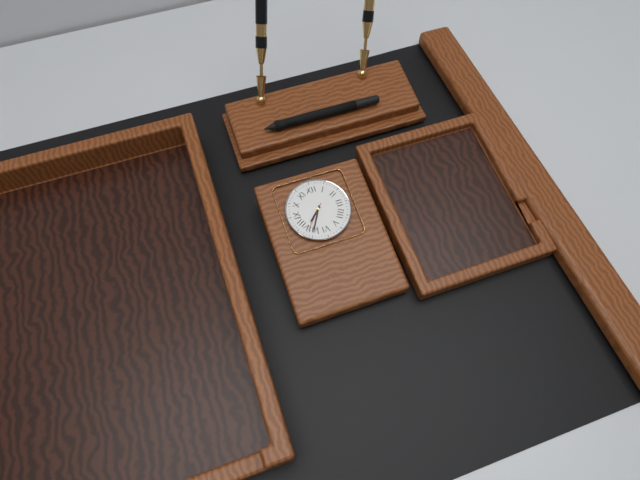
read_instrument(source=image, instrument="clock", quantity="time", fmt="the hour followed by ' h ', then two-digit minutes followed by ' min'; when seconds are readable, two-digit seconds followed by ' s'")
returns 7 h 35 min
